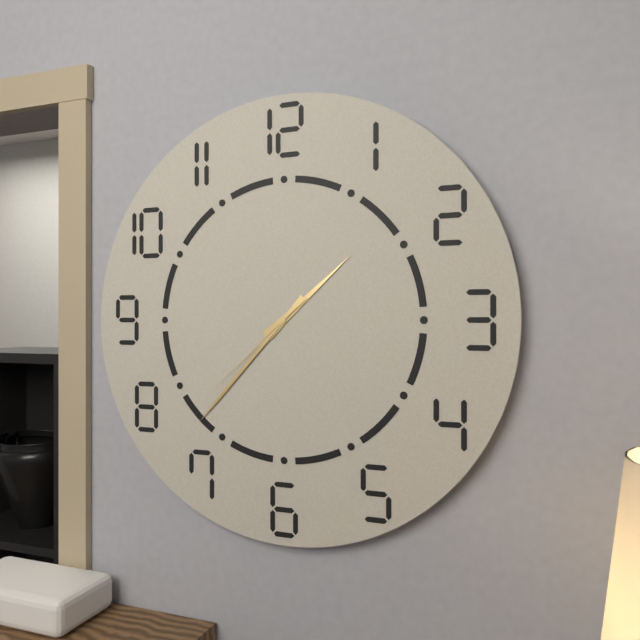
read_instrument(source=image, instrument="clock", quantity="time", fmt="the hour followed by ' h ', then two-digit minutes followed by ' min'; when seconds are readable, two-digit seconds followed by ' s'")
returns 1 h 37 min 38 s
